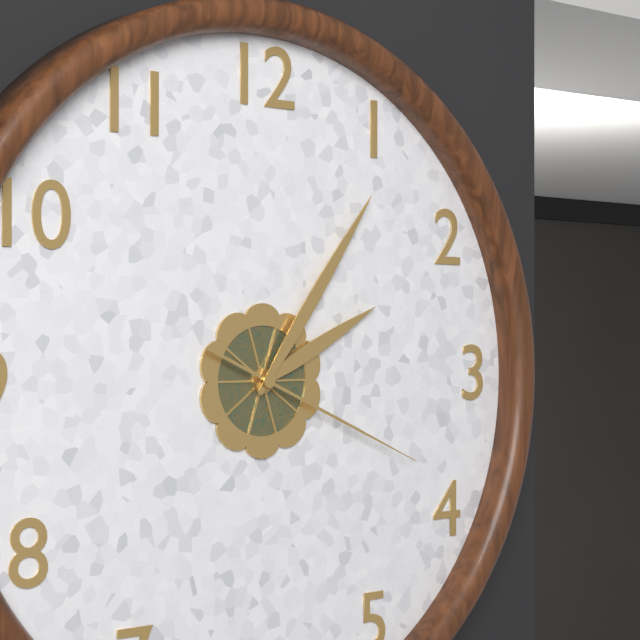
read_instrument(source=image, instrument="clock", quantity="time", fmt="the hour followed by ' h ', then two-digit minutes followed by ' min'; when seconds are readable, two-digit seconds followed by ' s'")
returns 2 h 06 min 19 s
